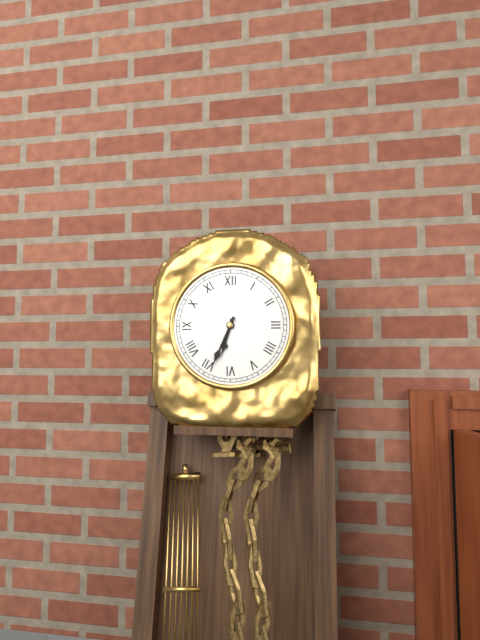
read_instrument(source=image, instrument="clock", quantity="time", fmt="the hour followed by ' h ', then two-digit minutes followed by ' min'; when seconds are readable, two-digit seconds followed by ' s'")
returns 6 h 34 min
